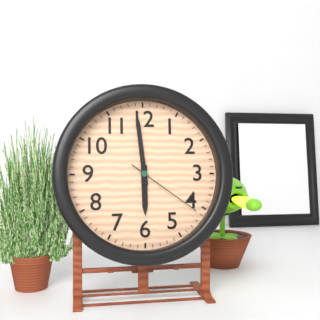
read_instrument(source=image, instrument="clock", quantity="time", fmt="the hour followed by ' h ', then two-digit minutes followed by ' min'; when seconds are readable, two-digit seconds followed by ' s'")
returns 5 h 59 min 21 s
